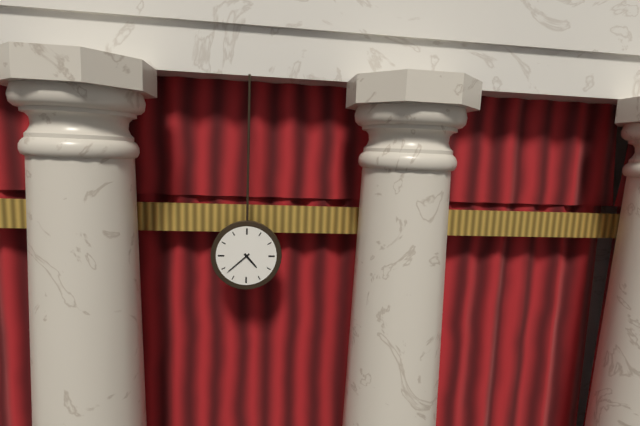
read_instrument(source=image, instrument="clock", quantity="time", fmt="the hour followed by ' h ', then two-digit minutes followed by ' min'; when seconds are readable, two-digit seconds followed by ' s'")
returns 4 h 38 min
